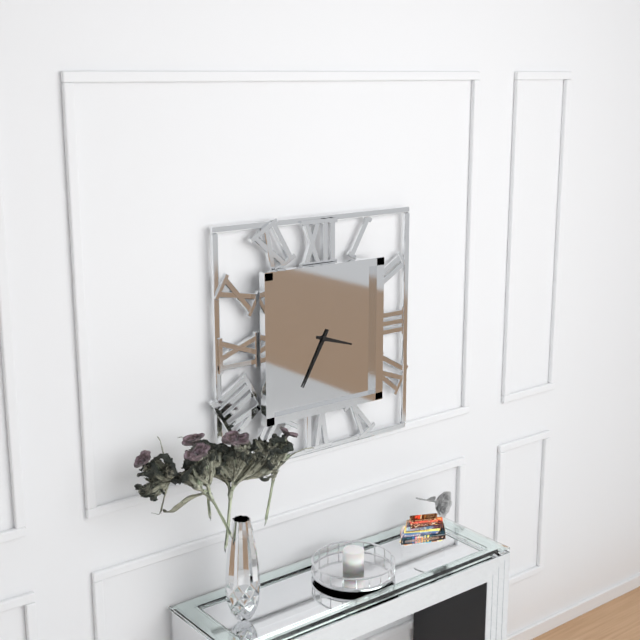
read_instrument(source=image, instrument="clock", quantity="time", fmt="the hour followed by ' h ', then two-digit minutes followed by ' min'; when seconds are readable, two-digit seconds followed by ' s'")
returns 3 h 35 min
